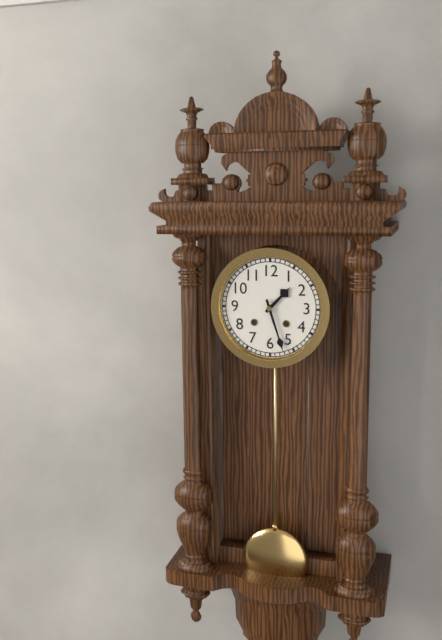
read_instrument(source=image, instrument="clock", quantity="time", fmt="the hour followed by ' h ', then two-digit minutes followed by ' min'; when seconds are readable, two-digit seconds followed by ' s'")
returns 1 h 27 min
